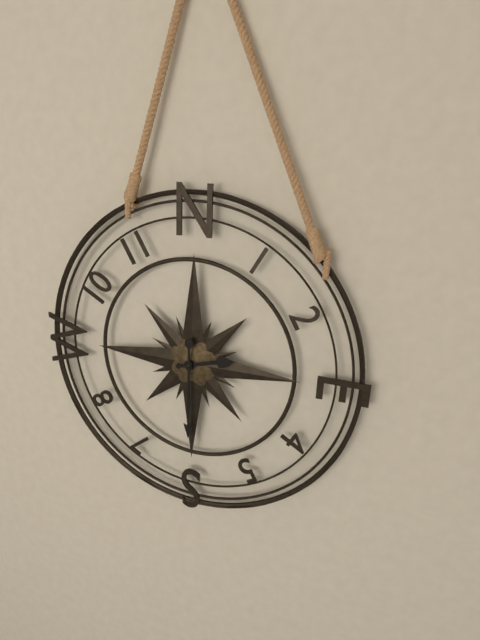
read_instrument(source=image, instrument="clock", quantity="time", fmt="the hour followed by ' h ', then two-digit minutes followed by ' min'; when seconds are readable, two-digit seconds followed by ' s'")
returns 2 h 30 min
